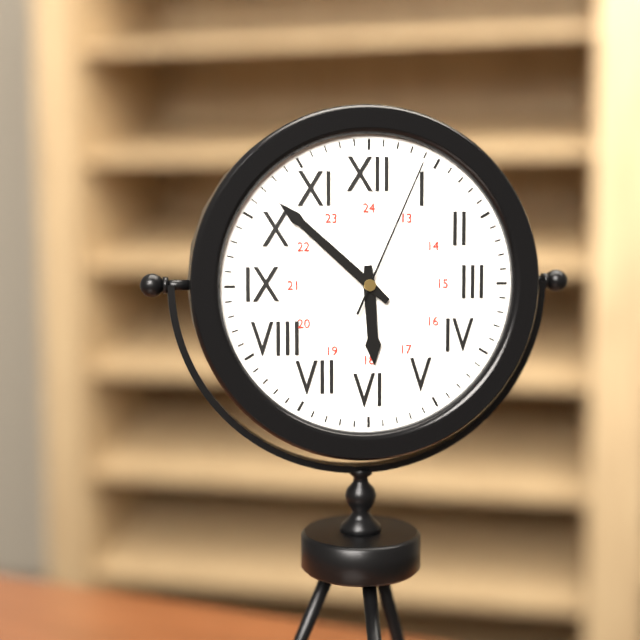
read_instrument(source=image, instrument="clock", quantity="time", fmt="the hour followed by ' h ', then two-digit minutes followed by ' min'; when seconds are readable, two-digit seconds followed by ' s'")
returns 5 h 52 min 04 s
